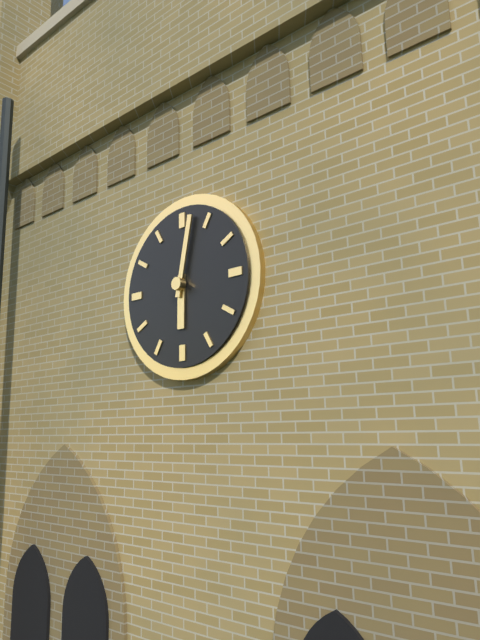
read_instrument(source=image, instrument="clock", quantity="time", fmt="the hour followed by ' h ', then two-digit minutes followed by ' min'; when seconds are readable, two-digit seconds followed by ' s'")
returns 6 h 02 min
